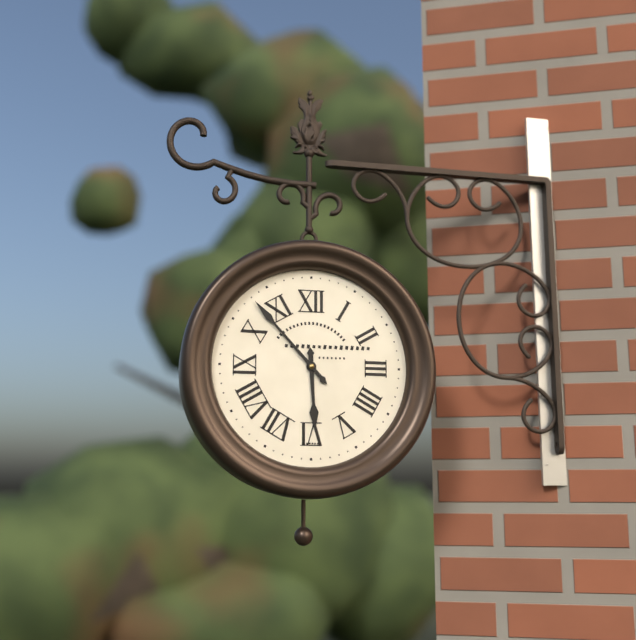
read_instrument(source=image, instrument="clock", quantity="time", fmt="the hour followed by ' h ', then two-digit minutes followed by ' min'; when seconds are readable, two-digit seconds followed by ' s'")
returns 5 h 53 min
